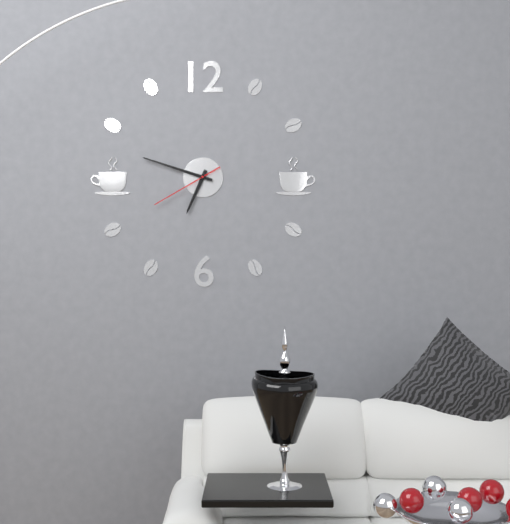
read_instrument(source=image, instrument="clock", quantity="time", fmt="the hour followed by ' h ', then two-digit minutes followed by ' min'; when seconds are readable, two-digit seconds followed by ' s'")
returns 6 h 48 min 40 s
